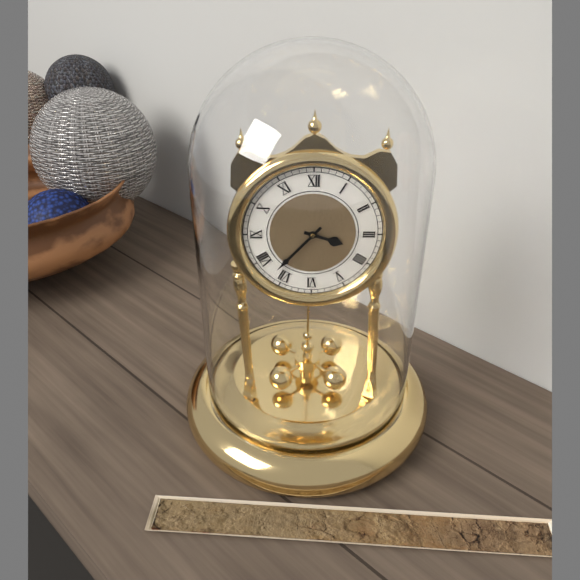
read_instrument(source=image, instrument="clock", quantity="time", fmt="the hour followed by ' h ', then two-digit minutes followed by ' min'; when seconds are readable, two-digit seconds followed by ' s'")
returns 3 h 37 min
